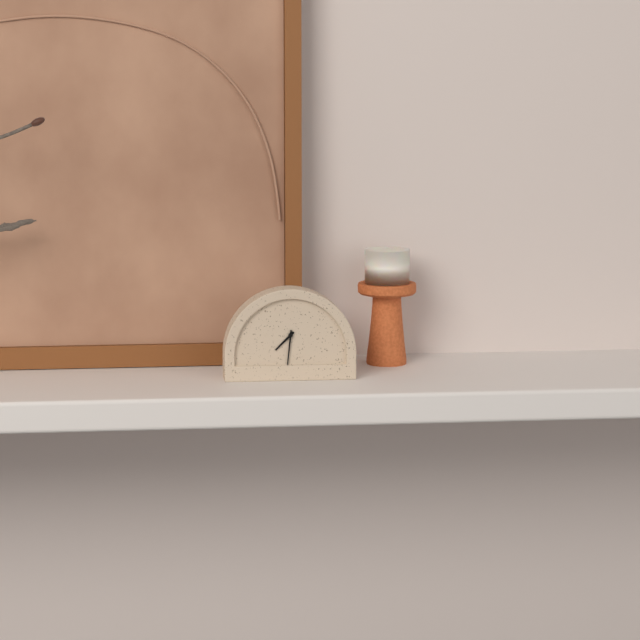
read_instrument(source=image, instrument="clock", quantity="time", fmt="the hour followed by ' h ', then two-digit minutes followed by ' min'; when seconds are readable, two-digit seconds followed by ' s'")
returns 7 h 31 min
